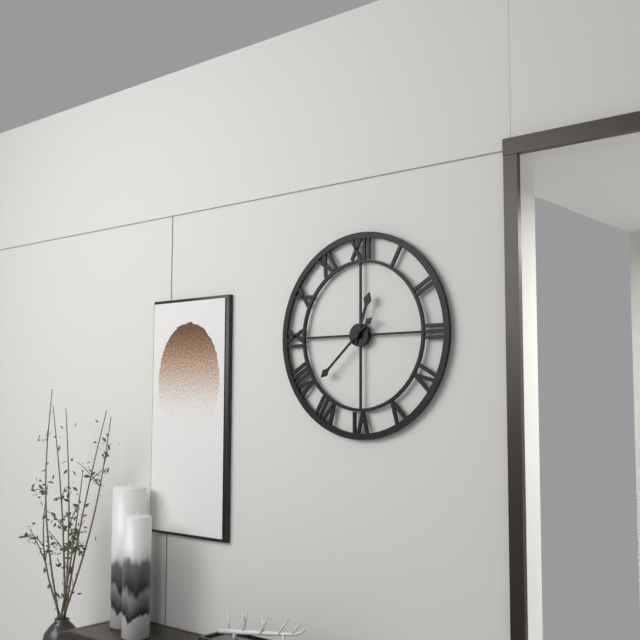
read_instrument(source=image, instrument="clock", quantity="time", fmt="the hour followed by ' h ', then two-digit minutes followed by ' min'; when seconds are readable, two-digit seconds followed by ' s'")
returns 12 h 38 min
